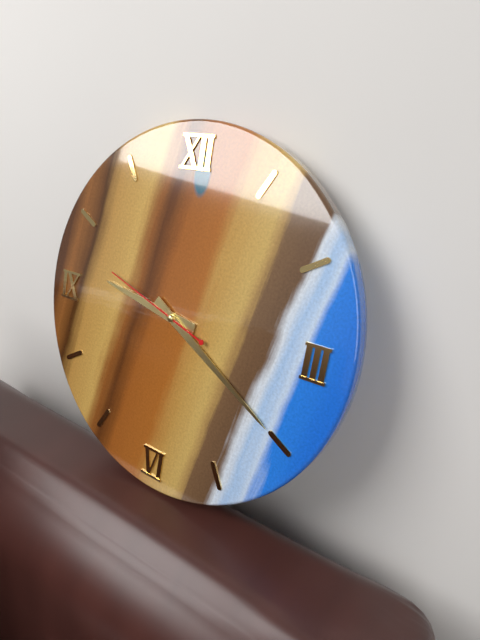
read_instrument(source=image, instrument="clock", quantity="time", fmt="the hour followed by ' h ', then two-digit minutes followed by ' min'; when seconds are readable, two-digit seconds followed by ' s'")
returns 9 h 20 min 48 s
